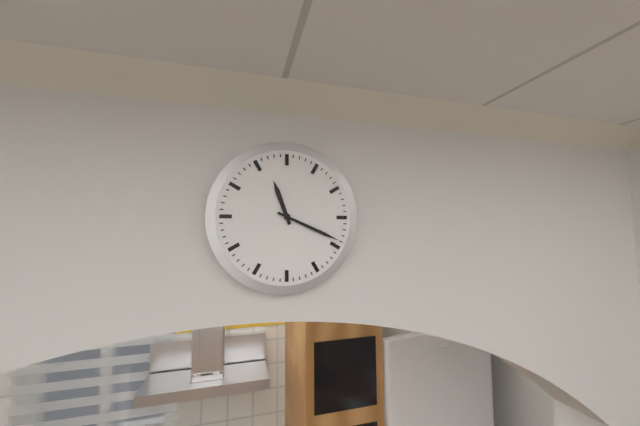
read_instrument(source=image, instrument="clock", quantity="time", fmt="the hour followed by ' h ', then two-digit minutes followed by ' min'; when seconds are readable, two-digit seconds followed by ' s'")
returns 11 h 19 min
